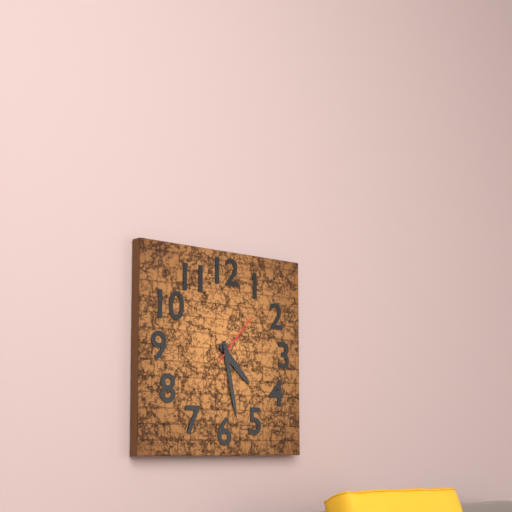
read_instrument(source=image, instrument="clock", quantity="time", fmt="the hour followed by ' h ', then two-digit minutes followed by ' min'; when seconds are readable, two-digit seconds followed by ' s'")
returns 4 h 28 min 07 s
